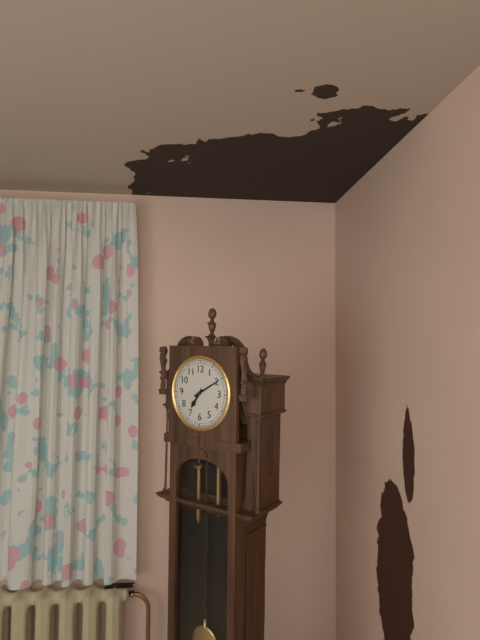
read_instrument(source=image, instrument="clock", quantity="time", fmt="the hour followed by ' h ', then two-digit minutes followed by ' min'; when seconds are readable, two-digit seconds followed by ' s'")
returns 7 h 10 min
